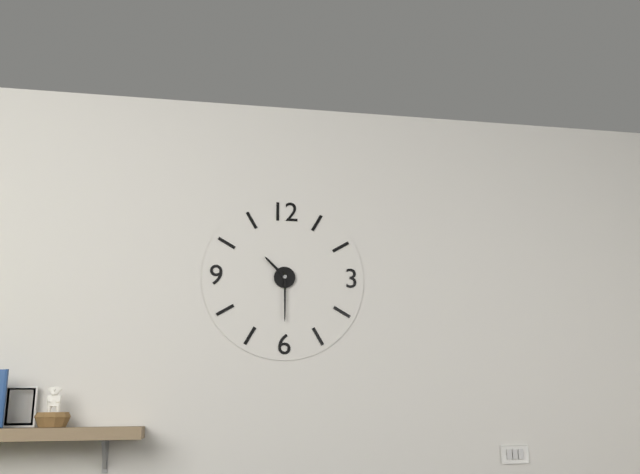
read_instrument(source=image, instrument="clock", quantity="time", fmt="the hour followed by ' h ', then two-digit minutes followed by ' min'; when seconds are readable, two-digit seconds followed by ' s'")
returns 10 h 30 min
